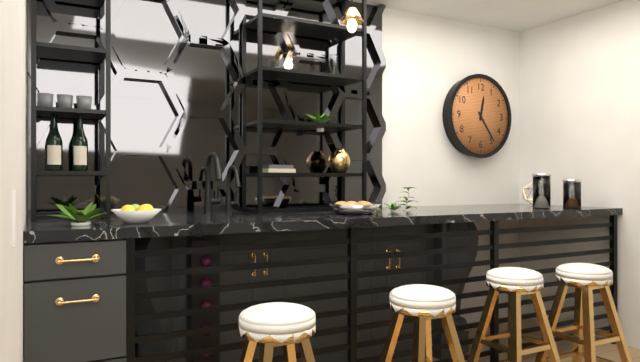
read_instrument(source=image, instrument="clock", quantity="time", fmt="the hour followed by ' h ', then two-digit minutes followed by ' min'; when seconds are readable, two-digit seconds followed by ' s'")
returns 12 h 24 min
